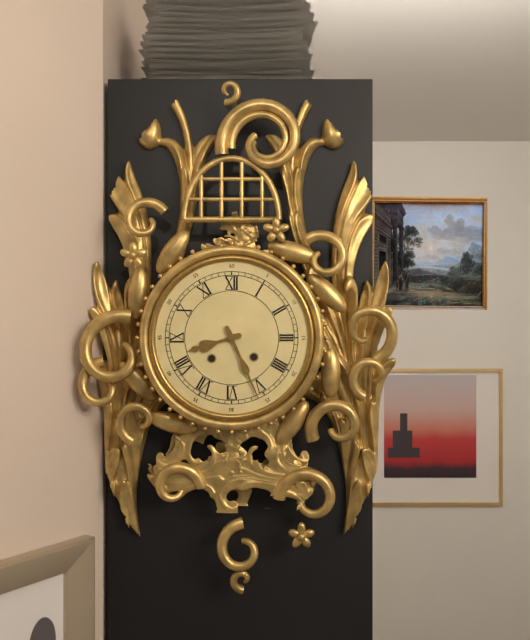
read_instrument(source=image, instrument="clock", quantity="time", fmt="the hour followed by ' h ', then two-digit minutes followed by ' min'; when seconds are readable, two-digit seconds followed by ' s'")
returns 8 h 26 min
